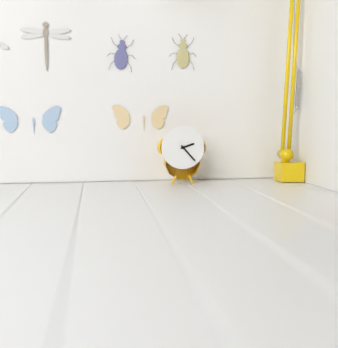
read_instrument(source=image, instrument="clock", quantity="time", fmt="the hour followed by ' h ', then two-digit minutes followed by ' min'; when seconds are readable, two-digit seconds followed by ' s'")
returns 2 h 23 min
